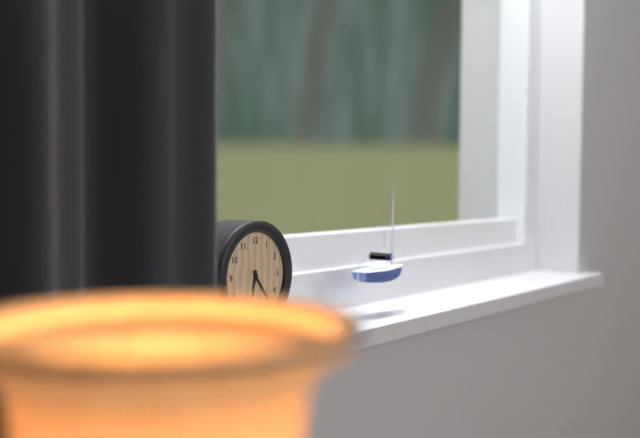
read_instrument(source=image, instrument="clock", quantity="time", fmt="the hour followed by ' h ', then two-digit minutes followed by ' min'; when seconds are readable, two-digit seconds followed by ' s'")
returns 6 h 24 min
